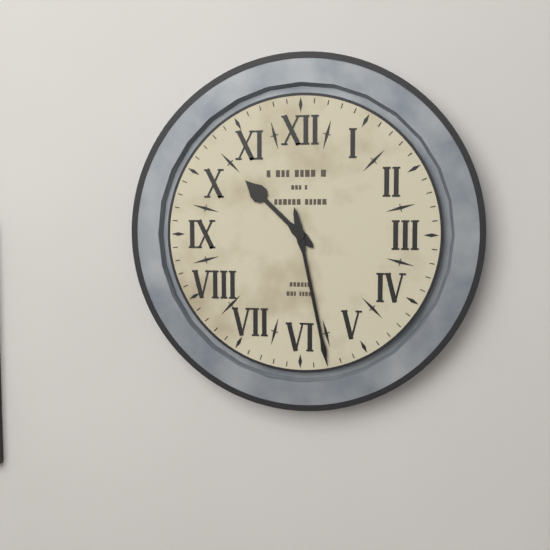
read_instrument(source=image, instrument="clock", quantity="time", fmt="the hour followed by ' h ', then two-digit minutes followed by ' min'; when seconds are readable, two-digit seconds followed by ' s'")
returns 10 h 28 min
